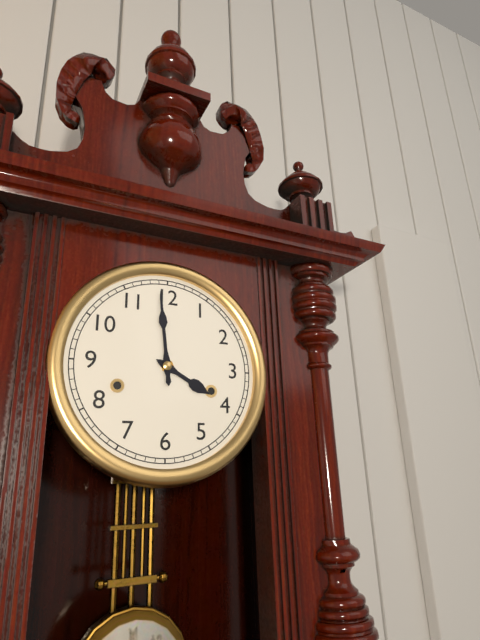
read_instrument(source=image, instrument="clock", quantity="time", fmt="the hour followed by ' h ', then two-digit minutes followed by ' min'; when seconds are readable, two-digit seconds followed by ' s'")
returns 3 h 59 min
